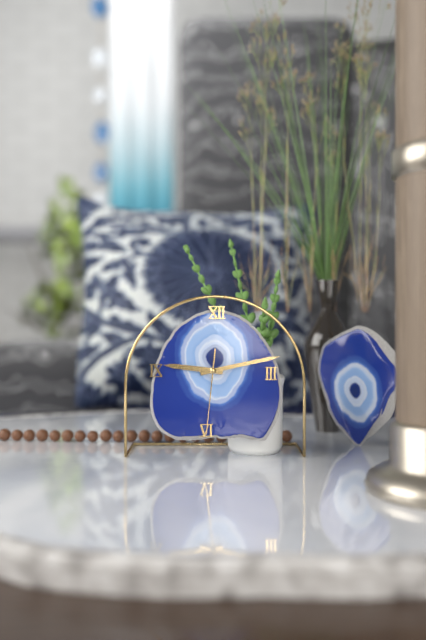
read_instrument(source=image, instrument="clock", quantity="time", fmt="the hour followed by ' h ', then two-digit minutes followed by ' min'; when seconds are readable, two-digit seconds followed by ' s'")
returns 9 h 13 min 31 s
